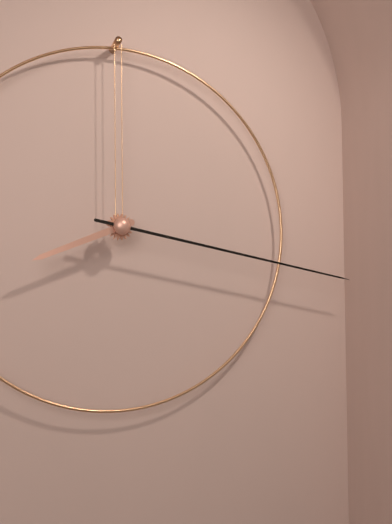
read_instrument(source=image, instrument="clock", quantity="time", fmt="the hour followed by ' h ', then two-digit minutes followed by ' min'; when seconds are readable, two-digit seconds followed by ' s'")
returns 8 h 17 min
